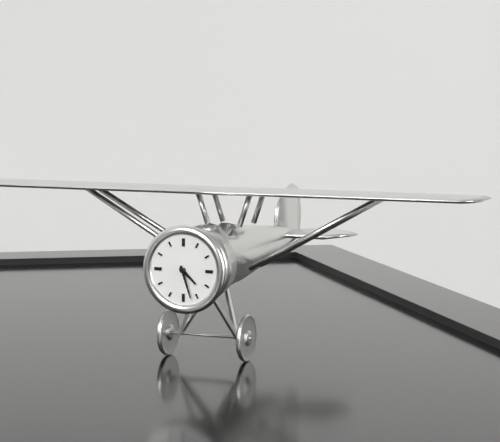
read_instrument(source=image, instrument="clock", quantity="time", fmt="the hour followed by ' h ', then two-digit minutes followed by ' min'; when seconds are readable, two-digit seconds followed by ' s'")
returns 4 h 27 min
